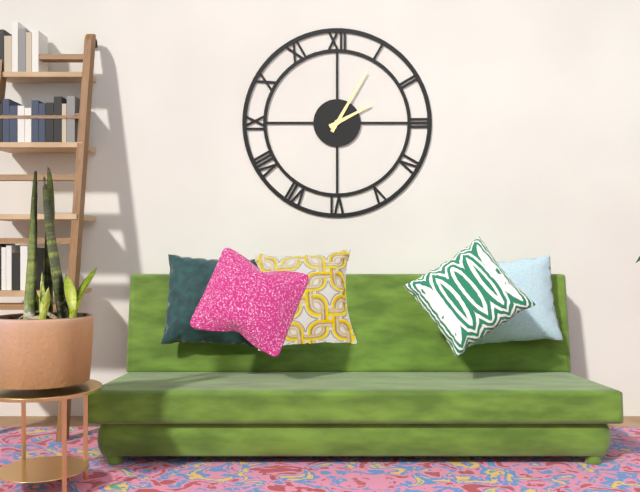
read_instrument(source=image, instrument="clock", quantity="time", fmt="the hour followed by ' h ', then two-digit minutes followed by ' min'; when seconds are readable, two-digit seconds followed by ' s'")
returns 2 h 05 min
